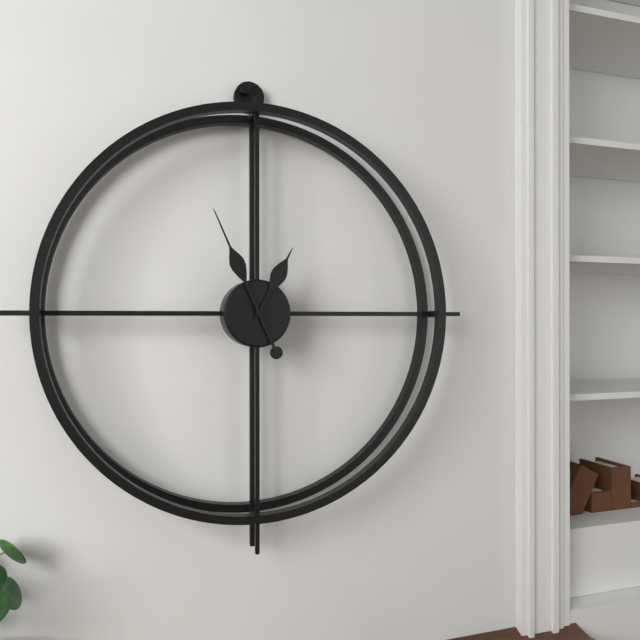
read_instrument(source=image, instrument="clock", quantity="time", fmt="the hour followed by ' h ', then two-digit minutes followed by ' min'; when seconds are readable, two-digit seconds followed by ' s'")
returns 12 h 56 min
